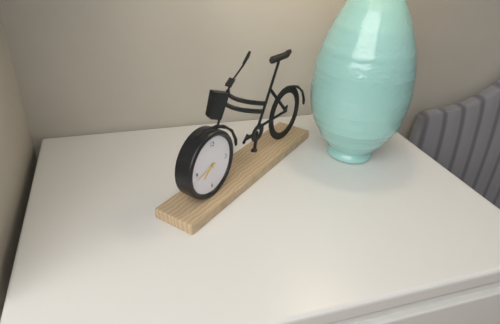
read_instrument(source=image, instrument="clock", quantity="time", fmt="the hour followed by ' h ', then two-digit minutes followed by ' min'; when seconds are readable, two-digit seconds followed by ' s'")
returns 7 h 43 min
